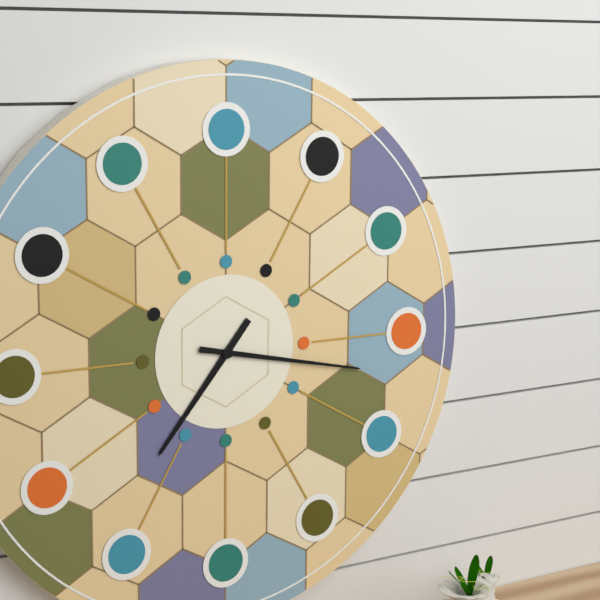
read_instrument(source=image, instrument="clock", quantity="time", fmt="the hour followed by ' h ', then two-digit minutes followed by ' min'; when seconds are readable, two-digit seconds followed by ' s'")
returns 7 h 17 min
